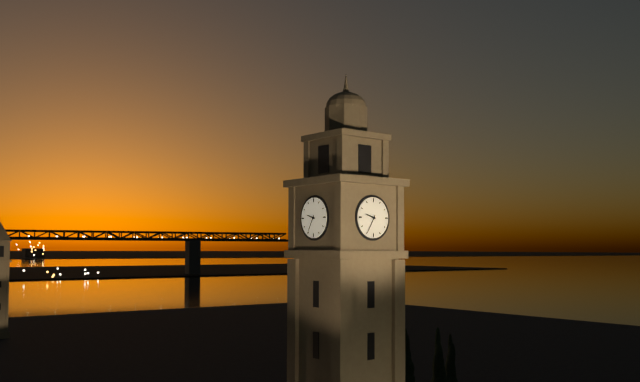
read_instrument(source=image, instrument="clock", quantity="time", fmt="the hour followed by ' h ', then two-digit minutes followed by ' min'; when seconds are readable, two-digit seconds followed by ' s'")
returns 9 h 35 min
